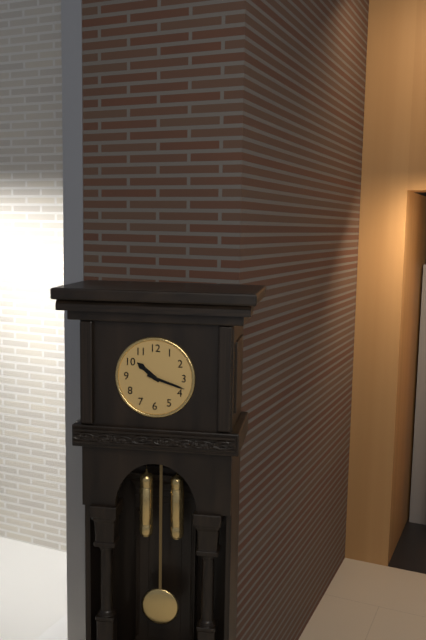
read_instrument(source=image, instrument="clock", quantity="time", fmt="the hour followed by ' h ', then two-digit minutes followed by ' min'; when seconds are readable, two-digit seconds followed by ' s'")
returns 10 h 18 min
